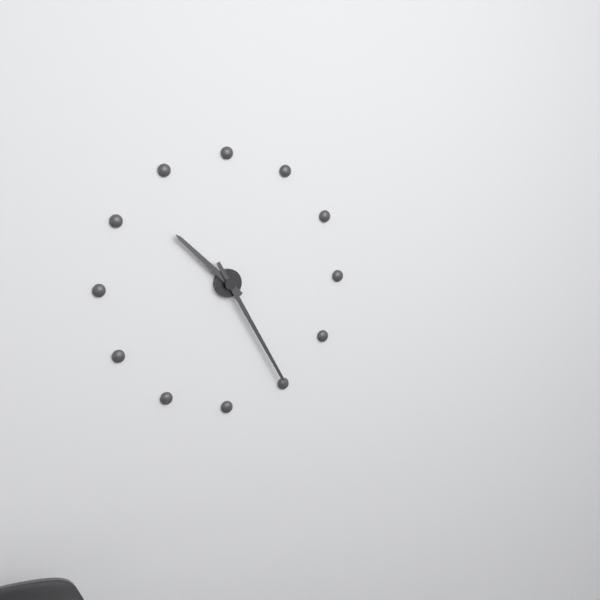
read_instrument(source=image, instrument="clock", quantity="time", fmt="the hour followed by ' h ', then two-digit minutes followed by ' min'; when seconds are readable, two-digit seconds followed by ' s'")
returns 10 h 25 min
